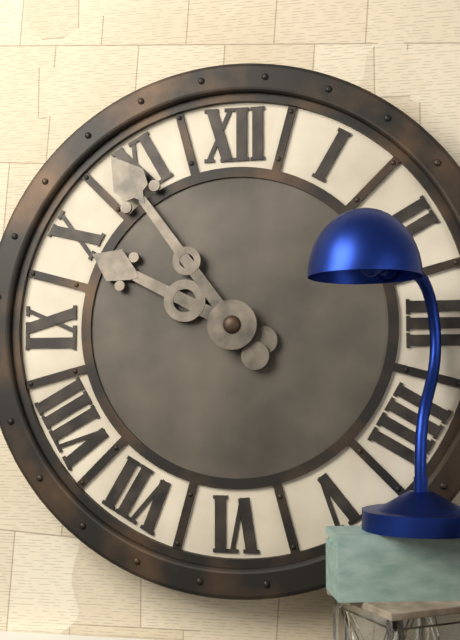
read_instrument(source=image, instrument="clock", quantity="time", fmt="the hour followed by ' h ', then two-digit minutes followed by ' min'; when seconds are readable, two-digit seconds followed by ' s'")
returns 9 h 54 min
